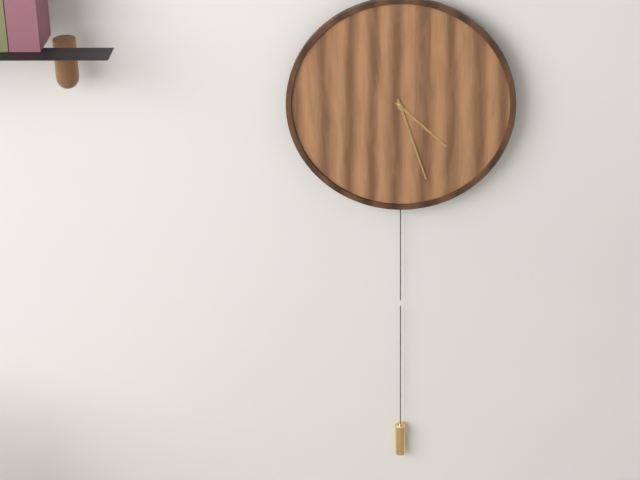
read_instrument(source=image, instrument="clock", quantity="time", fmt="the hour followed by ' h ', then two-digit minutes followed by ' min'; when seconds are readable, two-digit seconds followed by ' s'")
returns 4 h 27 min
